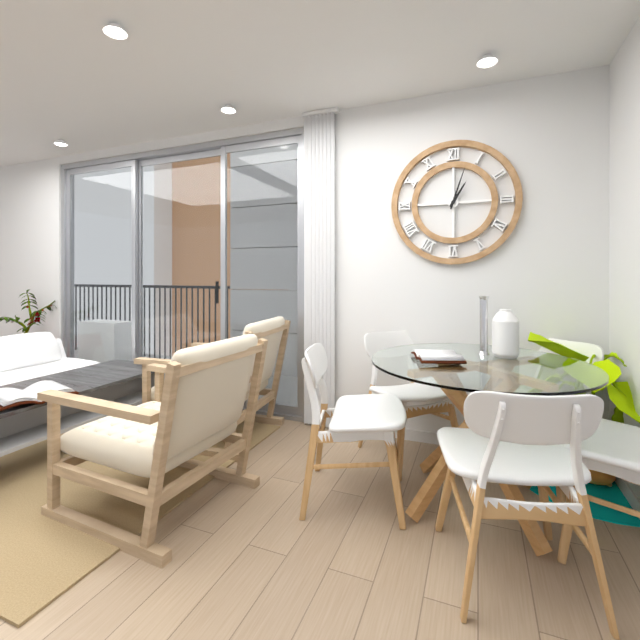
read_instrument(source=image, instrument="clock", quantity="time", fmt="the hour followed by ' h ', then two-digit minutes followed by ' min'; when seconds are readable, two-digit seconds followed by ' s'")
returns 1 h 03 min
